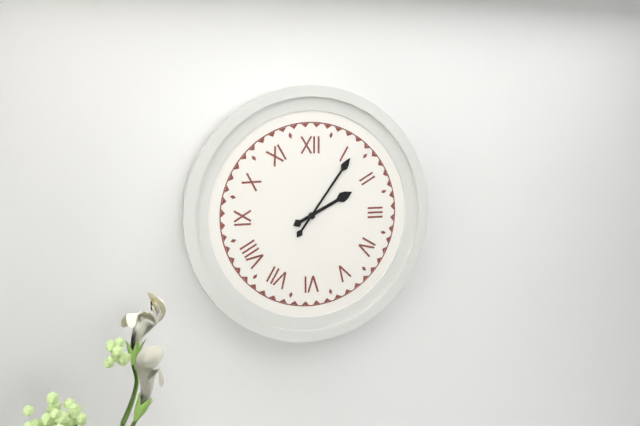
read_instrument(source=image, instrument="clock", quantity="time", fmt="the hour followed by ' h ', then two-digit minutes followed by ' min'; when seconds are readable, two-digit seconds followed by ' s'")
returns 2 h 06 min
